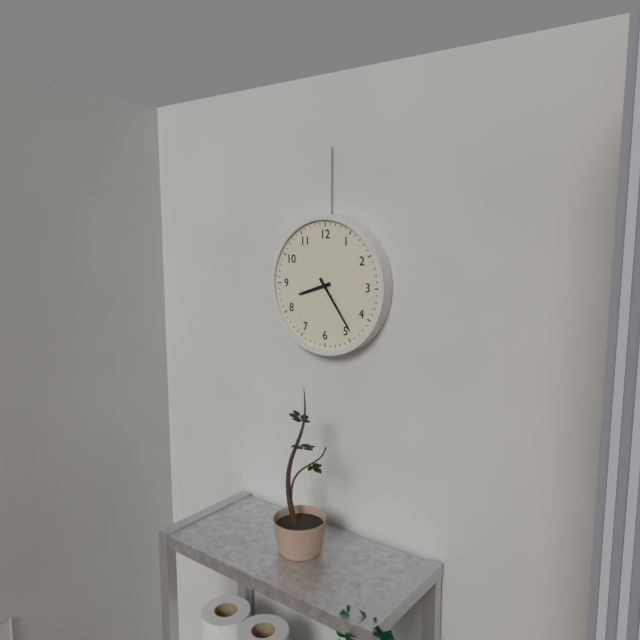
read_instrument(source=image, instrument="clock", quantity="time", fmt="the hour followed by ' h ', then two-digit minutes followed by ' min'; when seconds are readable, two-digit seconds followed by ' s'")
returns 8 h 24 min
